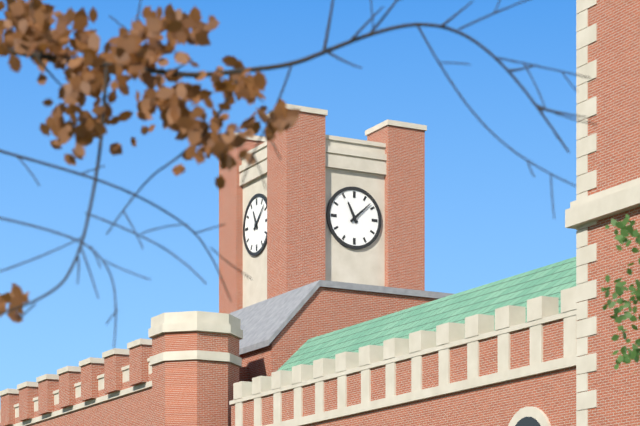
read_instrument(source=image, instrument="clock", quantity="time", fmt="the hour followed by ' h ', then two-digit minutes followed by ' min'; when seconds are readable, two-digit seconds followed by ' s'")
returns 11 h 08 min
